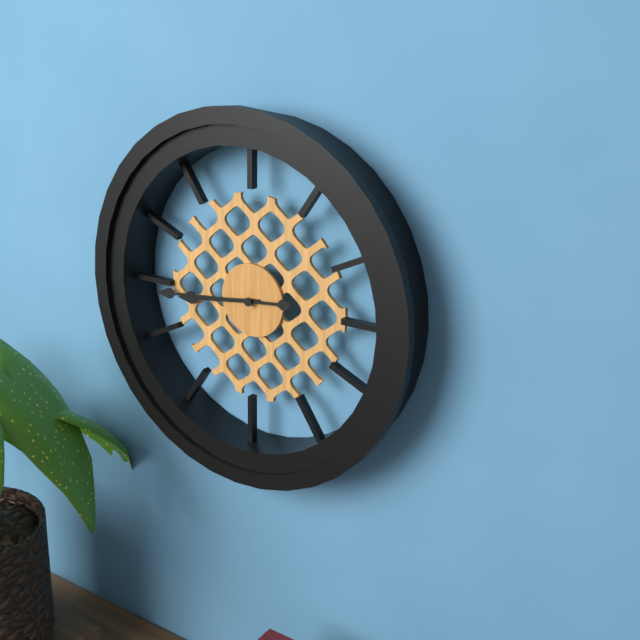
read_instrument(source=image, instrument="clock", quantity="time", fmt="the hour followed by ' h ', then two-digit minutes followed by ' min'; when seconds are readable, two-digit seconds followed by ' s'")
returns 8 h 44 min
